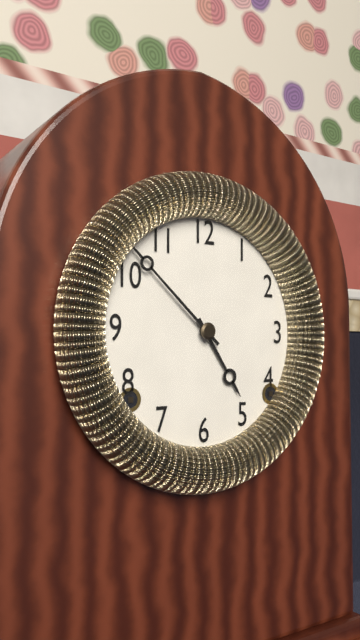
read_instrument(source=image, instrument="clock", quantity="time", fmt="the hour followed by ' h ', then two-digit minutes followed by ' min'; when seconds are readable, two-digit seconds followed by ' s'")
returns 4 h 52 min
